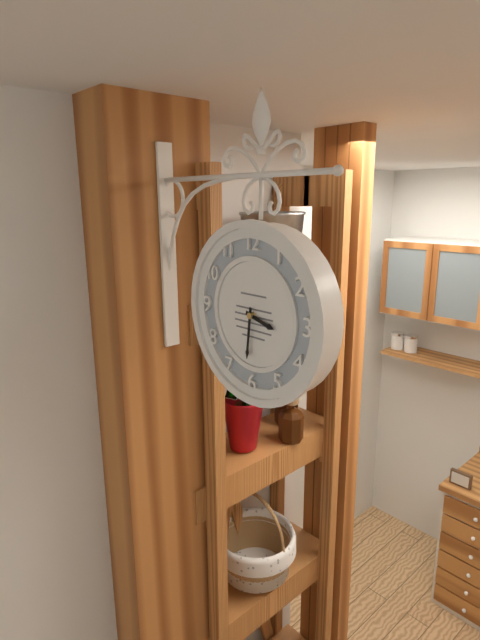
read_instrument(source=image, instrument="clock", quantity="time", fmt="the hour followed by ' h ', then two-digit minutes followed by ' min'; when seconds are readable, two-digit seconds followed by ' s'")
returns 3 h 31 min
